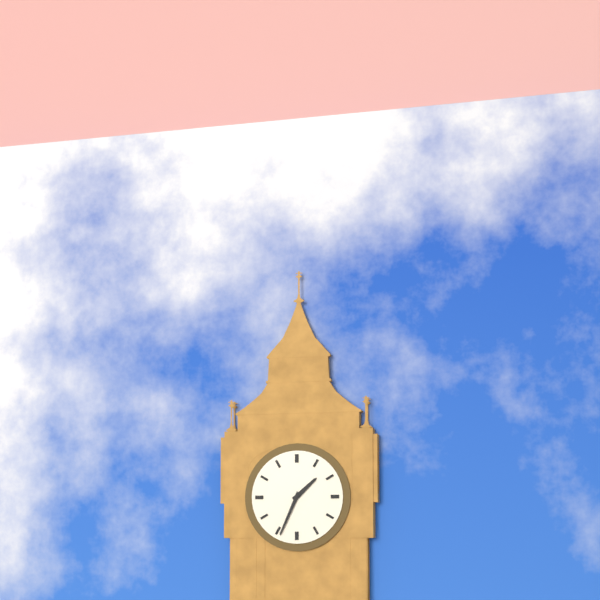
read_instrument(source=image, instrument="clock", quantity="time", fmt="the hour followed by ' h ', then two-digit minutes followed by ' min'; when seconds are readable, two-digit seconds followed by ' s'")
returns 1 h 34 min
